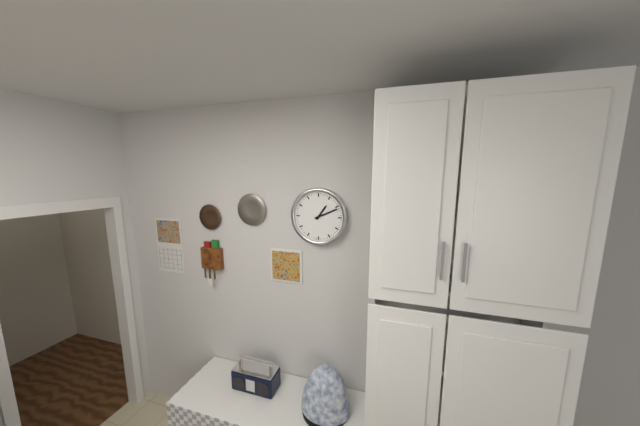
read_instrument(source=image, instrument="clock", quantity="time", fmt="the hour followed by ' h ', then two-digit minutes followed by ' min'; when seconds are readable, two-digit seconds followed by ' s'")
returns 1 h 11 min
